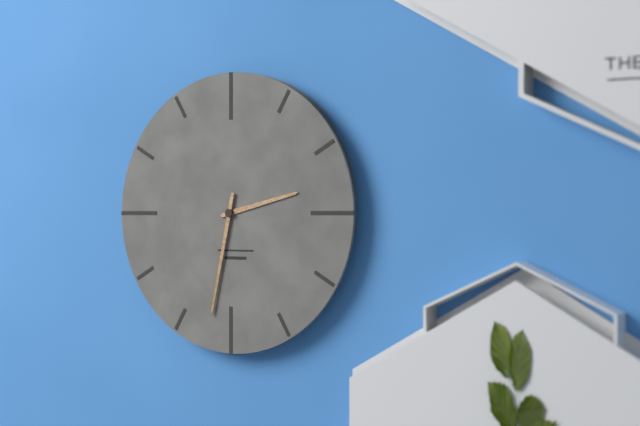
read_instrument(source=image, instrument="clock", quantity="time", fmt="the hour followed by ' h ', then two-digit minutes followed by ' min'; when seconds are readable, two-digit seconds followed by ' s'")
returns 2 h 32 min
